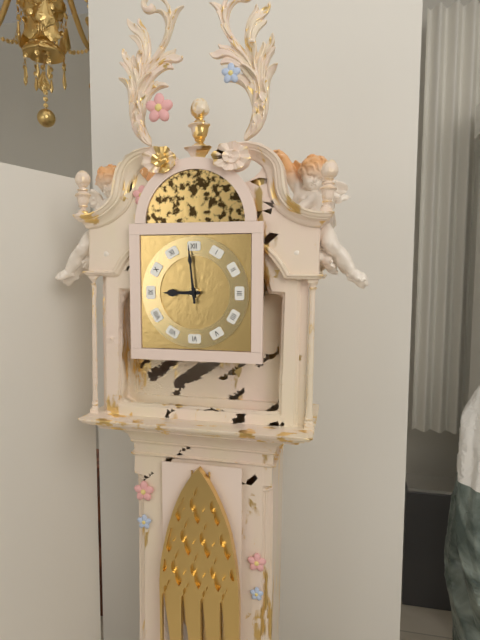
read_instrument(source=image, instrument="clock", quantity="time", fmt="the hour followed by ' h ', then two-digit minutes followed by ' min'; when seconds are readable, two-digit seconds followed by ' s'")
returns 8 h 59 min
